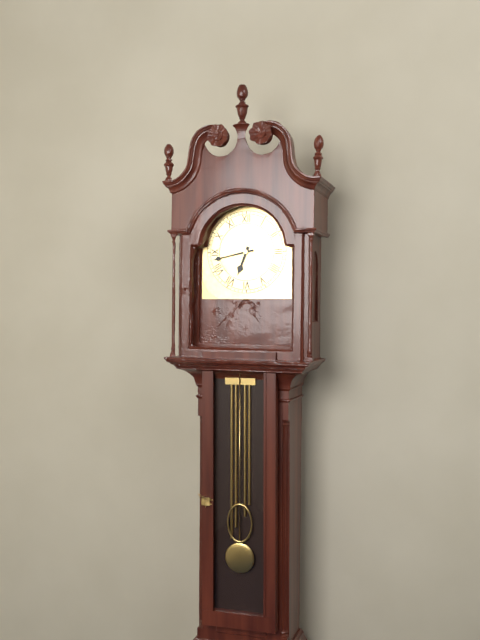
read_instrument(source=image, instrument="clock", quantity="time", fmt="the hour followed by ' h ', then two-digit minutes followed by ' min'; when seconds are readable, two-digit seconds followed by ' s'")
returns 6 h 43 min
